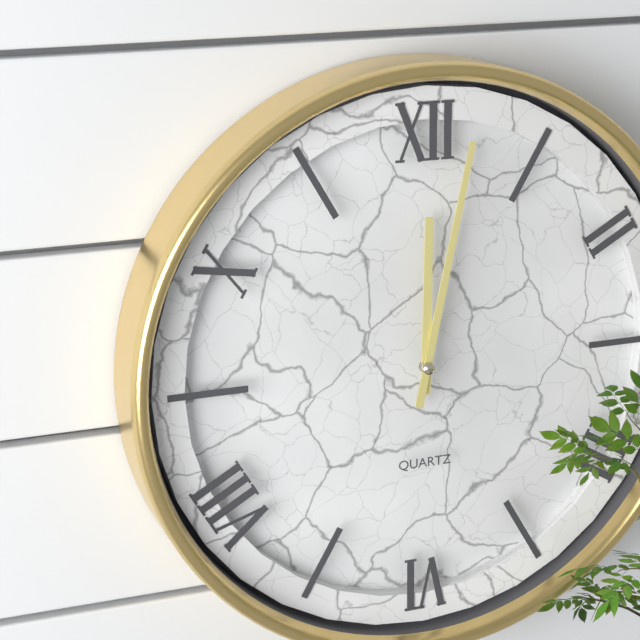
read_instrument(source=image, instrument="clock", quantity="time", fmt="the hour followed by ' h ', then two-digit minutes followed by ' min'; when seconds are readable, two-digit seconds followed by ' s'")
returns 12 h 02 min
